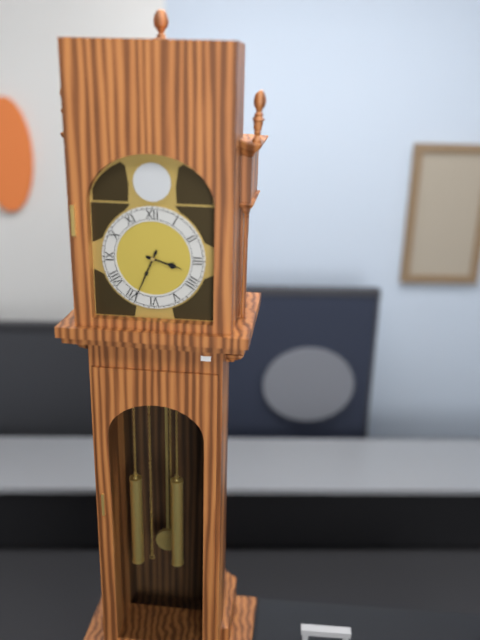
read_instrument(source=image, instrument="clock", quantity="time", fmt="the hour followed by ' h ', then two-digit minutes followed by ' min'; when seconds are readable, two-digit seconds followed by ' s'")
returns 3 h 34 min
